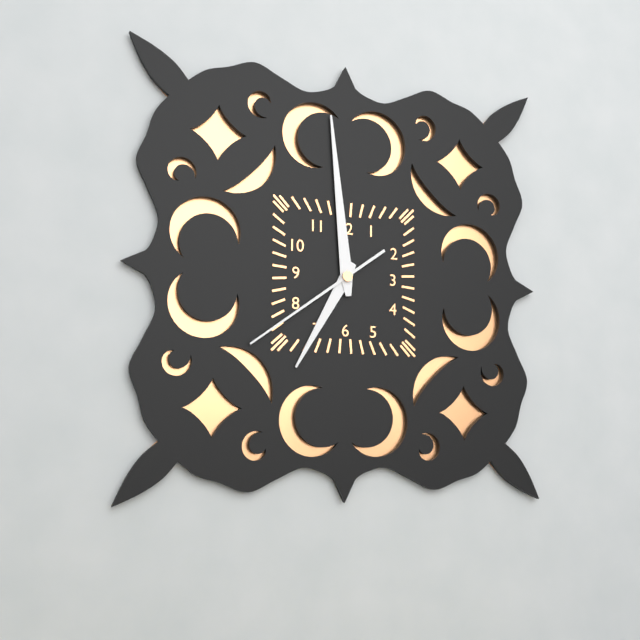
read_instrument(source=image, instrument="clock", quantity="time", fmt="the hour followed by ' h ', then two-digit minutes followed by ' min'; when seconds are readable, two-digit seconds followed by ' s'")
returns 6 h 59 min 39 s
